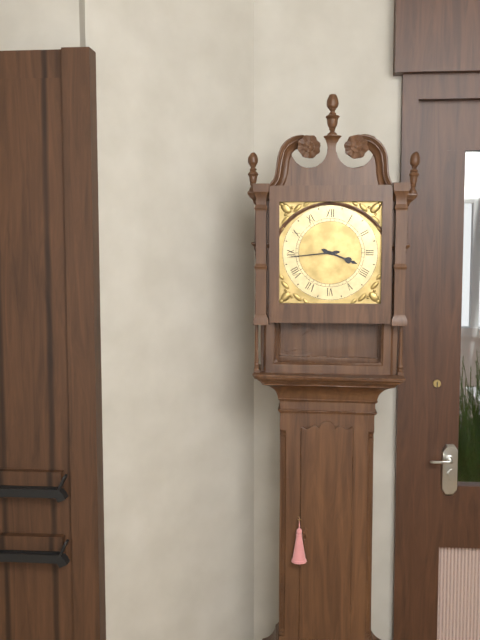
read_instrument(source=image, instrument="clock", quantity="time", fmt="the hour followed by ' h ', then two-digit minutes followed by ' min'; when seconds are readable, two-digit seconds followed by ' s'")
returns 3 h 44 min
